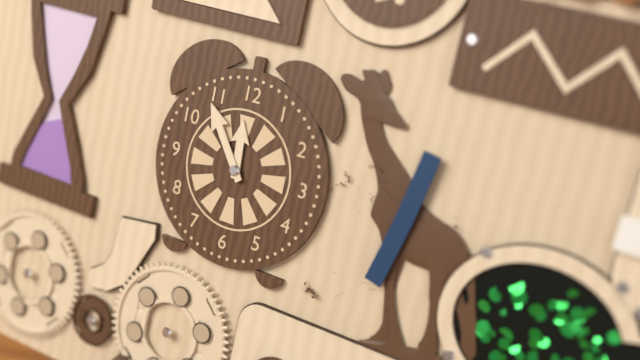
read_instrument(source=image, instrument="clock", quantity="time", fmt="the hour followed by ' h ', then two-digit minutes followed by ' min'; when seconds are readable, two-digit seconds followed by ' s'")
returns 11 h 54 min
